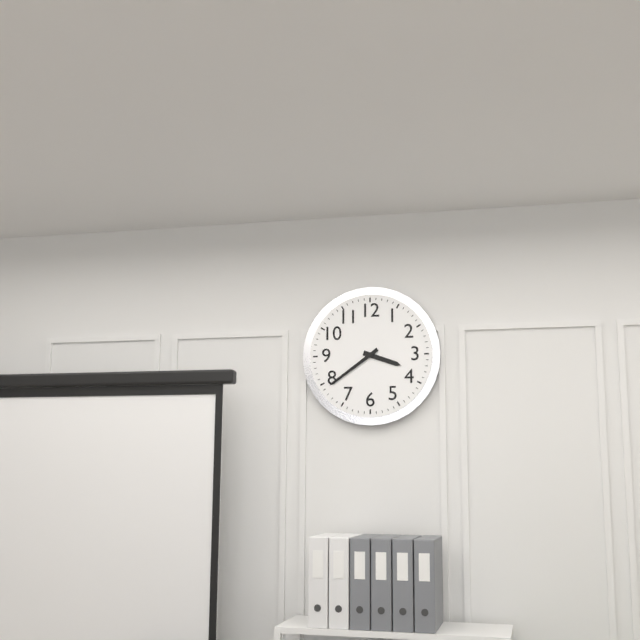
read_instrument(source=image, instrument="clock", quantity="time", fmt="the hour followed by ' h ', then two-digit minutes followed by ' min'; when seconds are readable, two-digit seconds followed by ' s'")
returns 3 h 39 min
